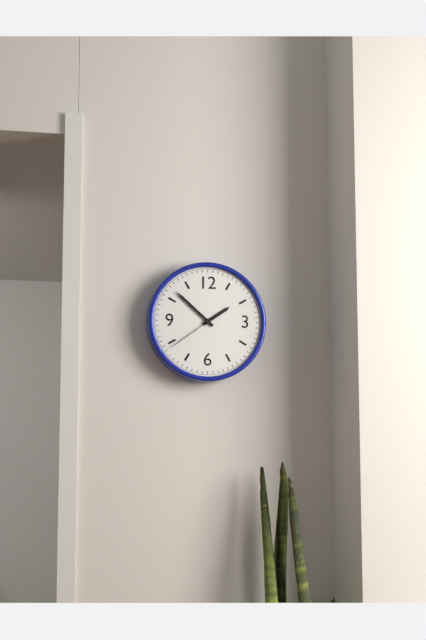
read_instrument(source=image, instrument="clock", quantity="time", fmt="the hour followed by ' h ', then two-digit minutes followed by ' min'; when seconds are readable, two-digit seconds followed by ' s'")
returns 1 h 52 min 39 s
